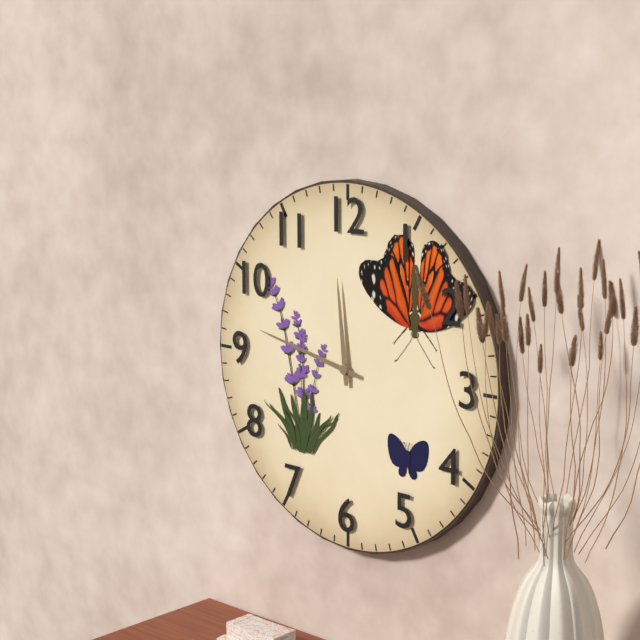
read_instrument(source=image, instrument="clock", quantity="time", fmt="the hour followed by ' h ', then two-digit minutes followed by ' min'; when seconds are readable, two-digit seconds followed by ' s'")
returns 11 h 47 min
